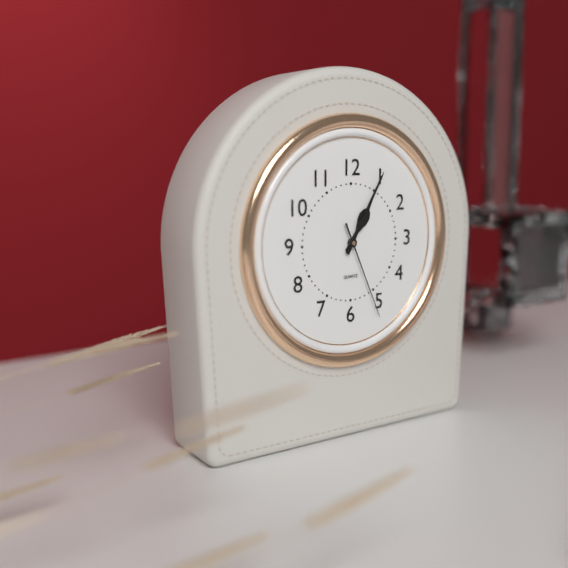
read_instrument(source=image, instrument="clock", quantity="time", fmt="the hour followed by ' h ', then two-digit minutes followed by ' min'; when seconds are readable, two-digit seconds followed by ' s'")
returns 1 h 05 min 26 s
